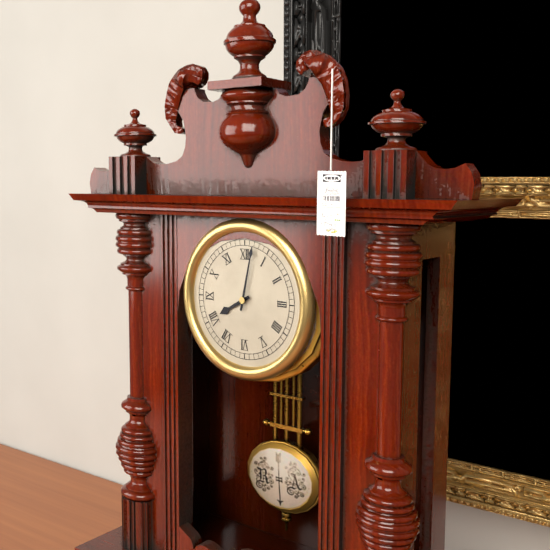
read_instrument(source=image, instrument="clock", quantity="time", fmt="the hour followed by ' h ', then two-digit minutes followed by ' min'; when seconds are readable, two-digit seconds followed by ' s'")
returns 8 h 02 min
